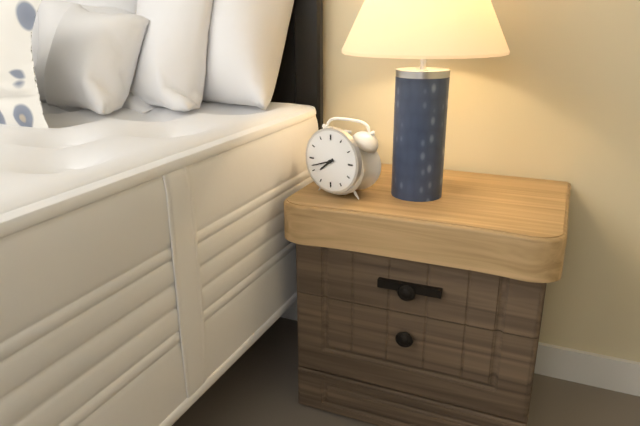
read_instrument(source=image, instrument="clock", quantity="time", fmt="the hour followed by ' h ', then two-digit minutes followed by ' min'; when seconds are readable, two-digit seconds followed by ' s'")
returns 7 h 42 min
